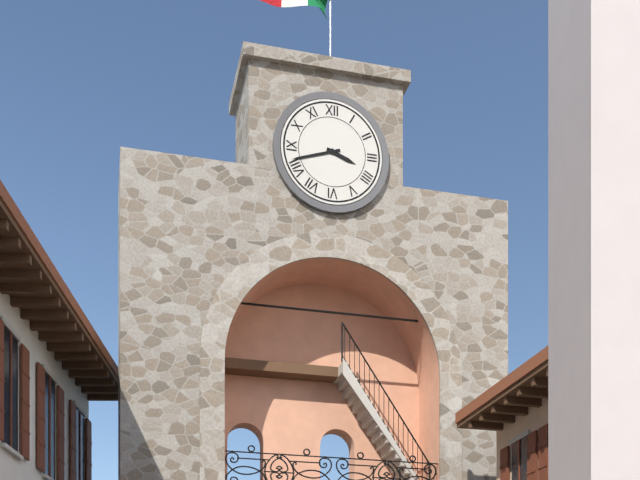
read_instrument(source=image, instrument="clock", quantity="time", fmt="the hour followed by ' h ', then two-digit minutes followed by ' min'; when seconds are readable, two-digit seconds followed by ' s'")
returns 3 h 42 min
